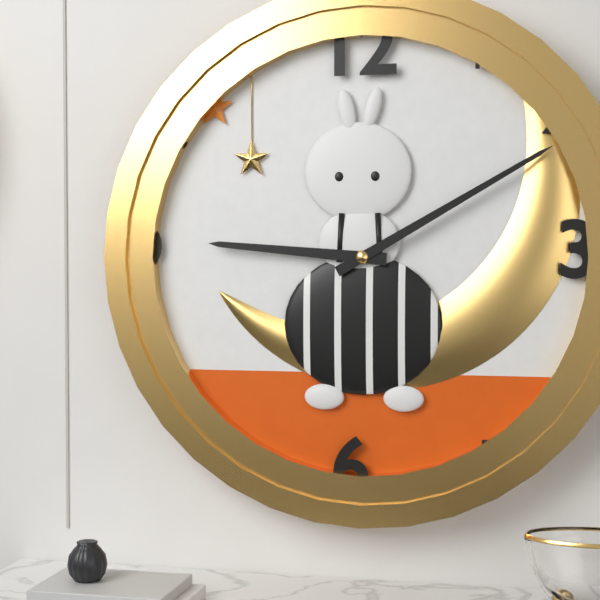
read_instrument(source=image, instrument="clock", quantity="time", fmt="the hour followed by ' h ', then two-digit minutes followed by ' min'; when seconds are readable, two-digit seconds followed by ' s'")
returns 9 h 10 min
